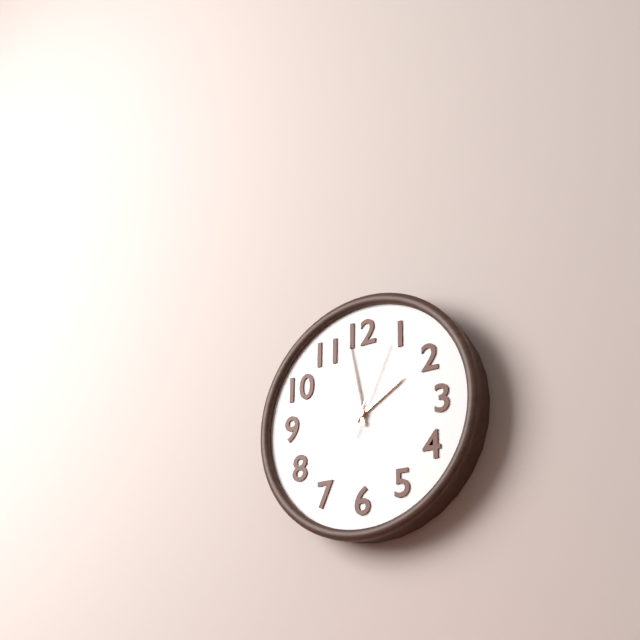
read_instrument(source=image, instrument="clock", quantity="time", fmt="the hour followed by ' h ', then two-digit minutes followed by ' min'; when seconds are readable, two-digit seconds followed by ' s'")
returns 1 h 58 min 04 s
